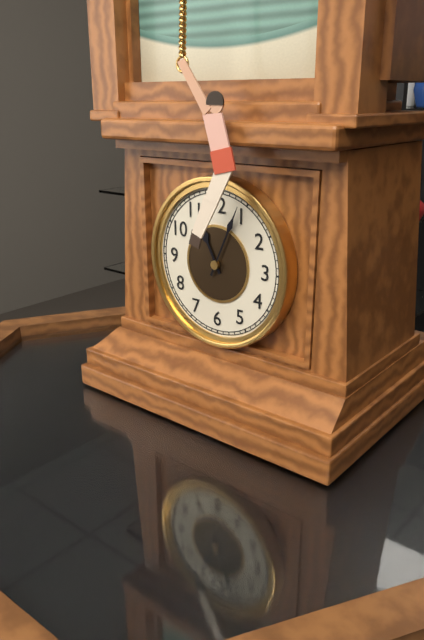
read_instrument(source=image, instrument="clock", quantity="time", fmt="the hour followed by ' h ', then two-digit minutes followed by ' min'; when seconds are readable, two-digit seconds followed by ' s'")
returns 11 h 04 min
